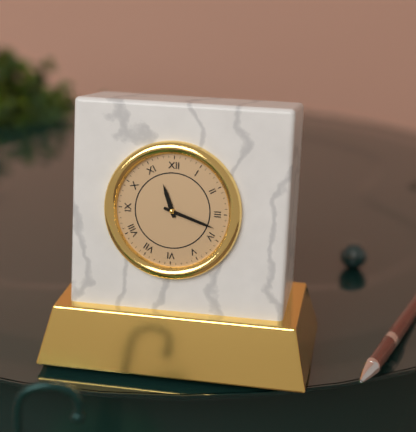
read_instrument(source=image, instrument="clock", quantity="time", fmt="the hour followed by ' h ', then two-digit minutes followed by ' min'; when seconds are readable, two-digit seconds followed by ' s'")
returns 11 h 18 min
